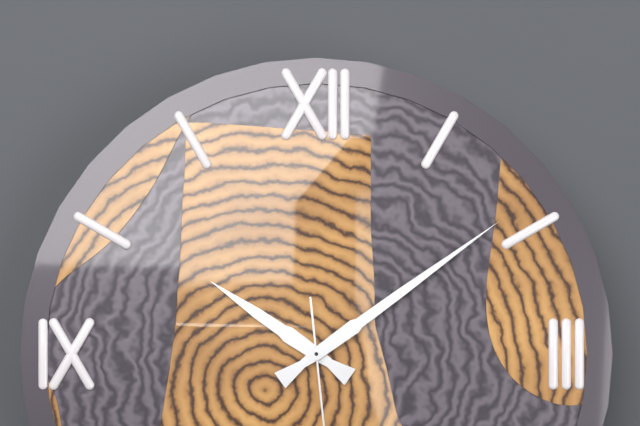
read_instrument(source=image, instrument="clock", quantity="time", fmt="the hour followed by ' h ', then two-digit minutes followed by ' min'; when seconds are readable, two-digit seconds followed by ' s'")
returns 10 h 09 min
